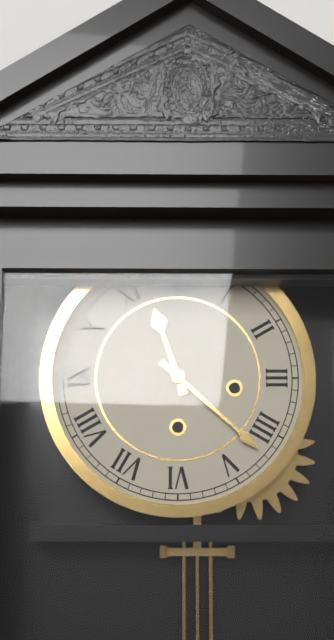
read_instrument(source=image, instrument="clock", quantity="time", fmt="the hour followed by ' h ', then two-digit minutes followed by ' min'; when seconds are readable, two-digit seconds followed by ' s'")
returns 11 h 22 min
